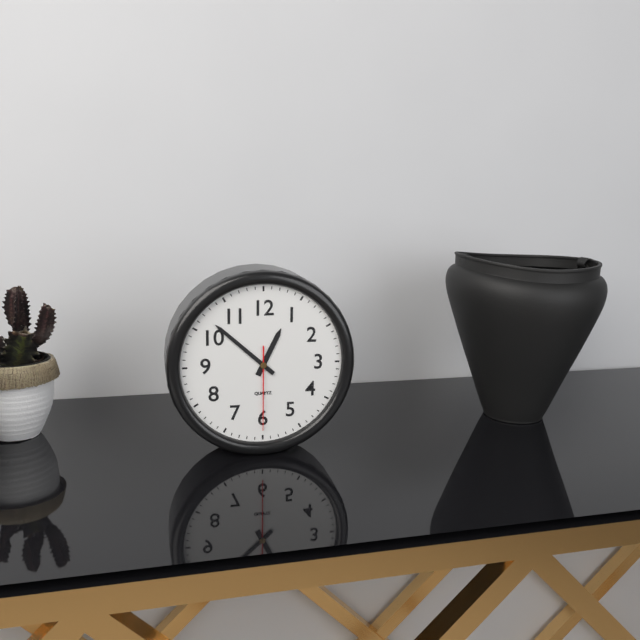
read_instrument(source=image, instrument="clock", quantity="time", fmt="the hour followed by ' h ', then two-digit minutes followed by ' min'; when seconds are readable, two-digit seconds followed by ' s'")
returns 12 h 52 min 30 s
